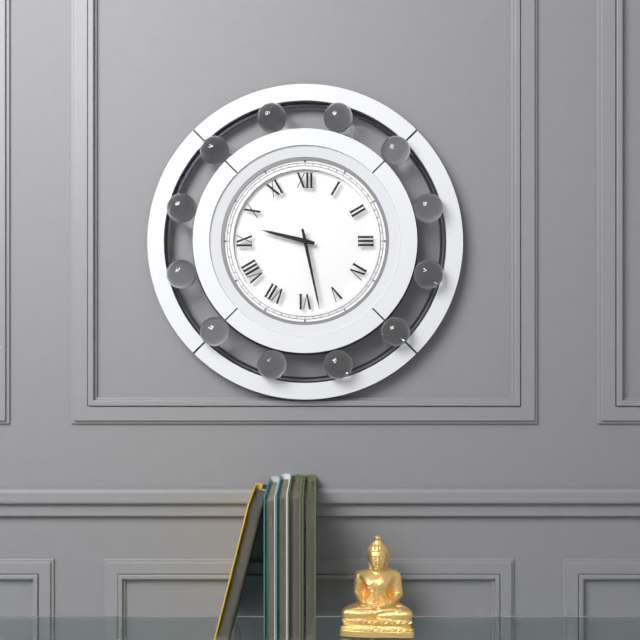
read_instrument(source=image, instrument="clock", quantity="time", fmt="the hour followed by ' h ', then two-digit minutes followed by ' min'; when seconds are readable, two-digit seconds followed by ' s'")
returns 9 h 28 min
